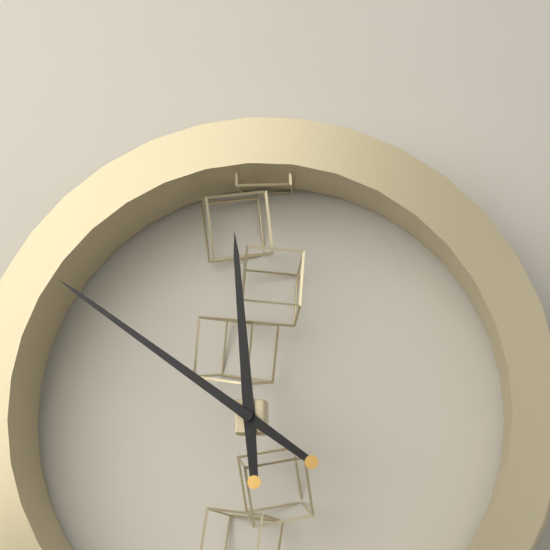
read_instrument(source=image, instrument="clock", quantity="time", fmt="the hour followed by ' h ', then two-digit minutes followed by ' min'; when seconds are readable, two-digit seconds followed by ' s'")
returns 11 h 51 min
